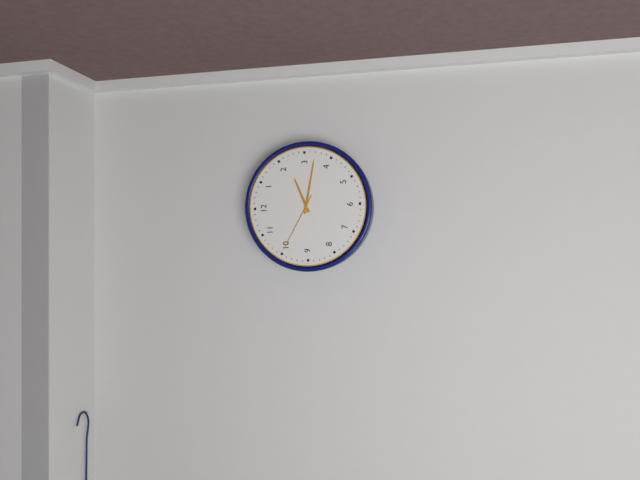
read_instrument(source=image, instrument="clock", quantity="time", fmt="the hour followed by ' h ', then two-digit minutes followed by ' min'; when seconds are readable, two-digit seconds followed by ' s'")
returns 2 h 17 min 50 s
